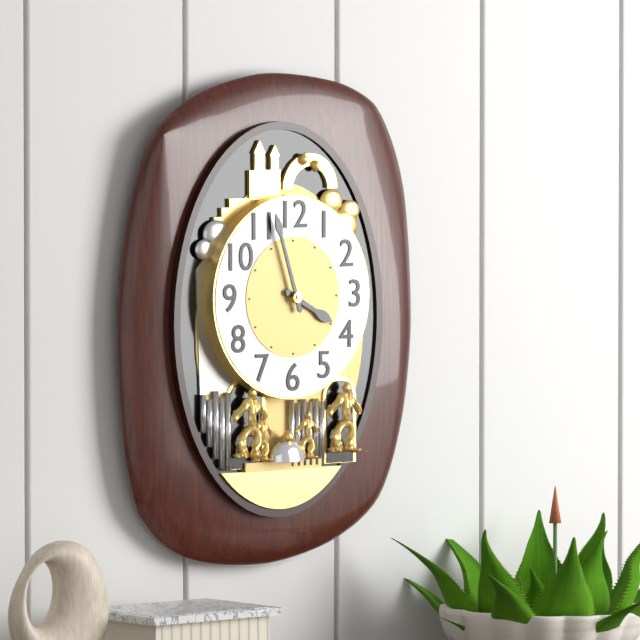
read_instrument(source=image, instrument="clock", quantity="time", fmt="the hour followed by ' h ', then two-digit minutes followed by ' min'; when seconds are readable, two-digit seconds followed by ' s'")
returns 3 h 57 min
